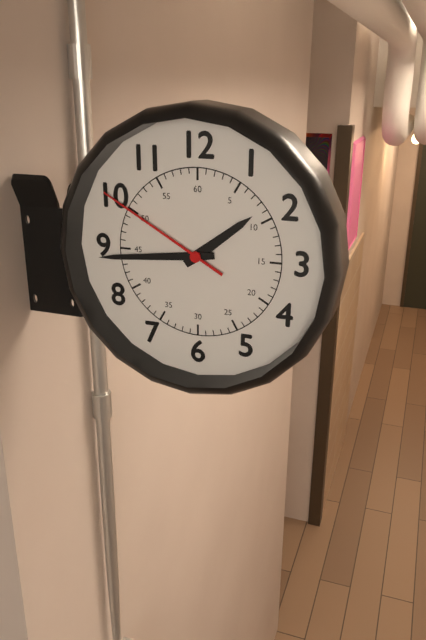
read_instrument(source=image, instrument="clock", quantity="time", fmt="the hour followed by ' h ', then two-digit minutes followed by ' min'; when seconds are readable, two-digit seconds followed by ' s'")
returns 1 h 44 min 50 s
